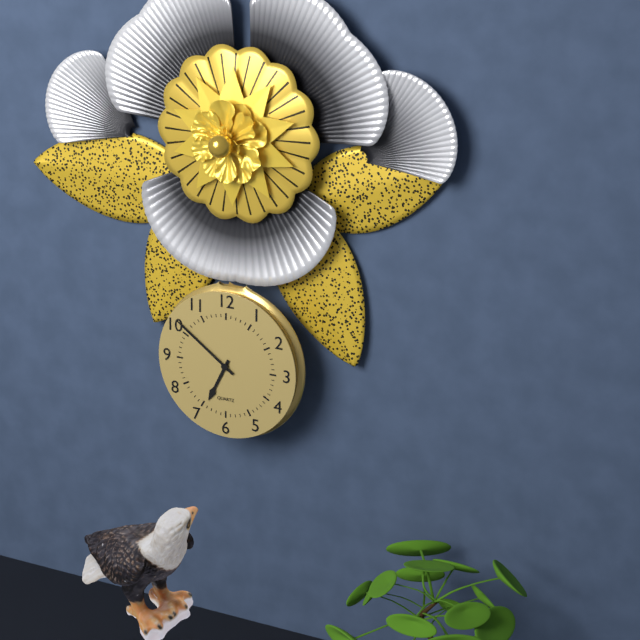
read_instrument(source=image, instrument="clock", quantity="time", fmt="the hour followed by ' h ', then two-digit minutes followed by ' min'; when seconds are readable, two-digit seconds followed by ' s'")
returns 6 h 51 min
